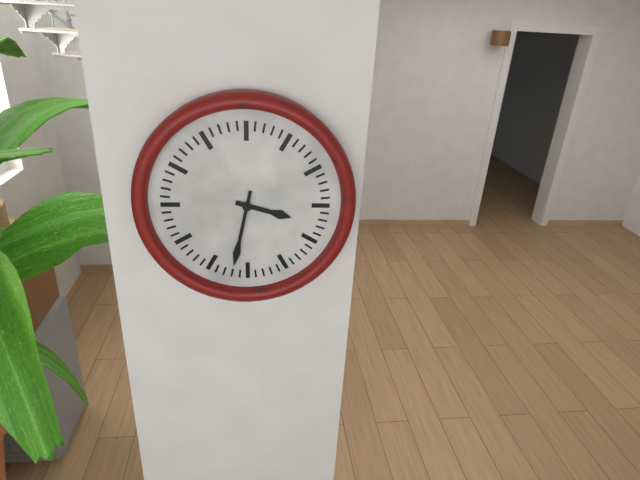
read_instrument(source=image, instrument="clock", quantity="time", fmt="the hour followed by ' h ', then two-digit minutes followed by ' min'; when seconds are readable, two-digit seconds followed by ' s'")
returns 3 h 32 min
